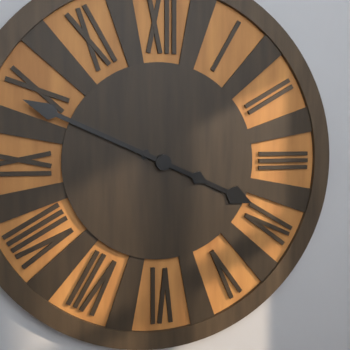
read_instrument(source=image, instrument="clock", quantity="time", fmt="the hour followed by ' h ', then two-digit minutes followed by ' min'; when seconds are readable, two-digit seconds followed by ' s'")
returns 3 h 49 min
